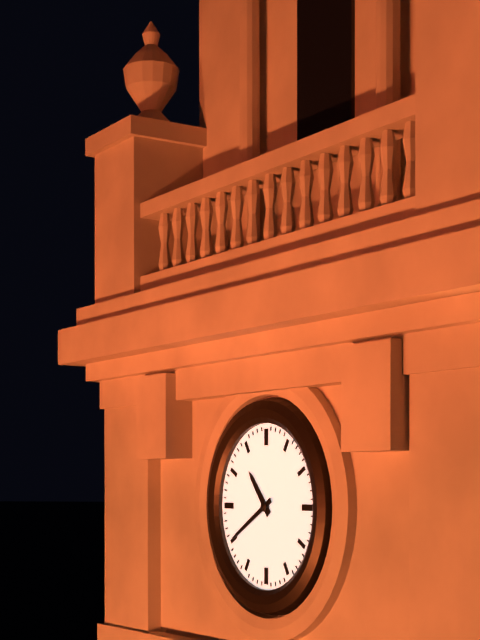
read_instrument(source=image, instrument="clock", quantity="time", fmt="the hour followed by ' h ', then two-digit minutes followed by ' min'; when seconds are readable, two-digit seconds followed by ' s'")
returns 10 h 40 min
